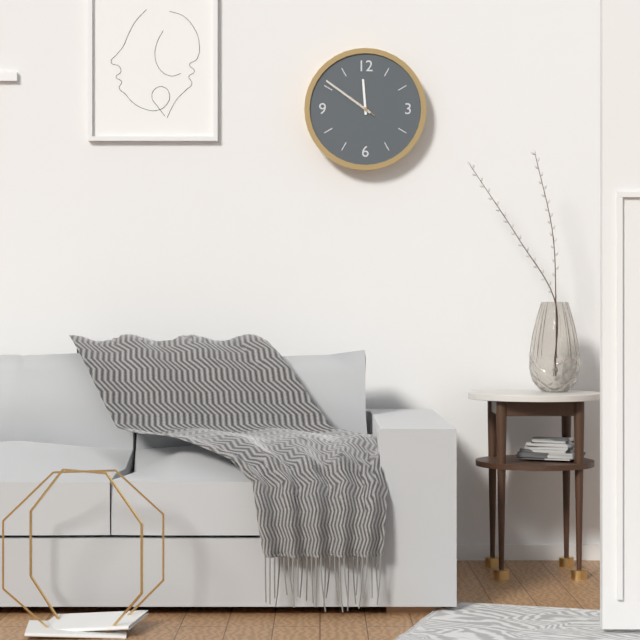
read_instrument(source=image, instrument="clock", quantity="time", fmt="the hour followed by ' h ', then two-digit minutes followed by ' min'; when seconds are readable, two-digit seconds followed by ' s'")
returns 11 h 51 min 51 s
